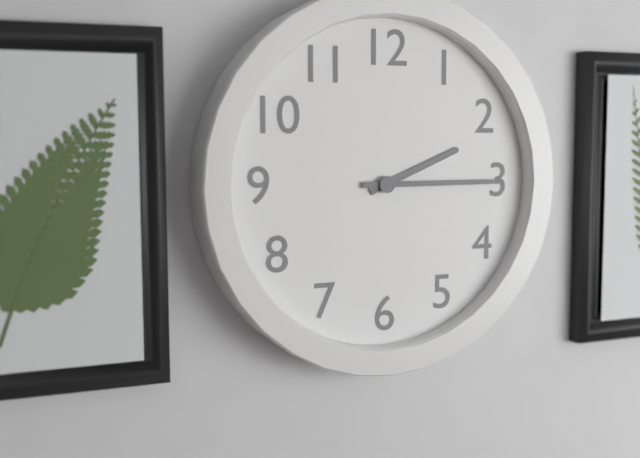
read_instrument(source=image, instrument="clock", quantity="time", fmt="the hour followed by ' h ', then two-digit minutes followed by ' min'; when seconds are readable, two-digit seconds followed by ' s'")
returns 2 h 15 min
